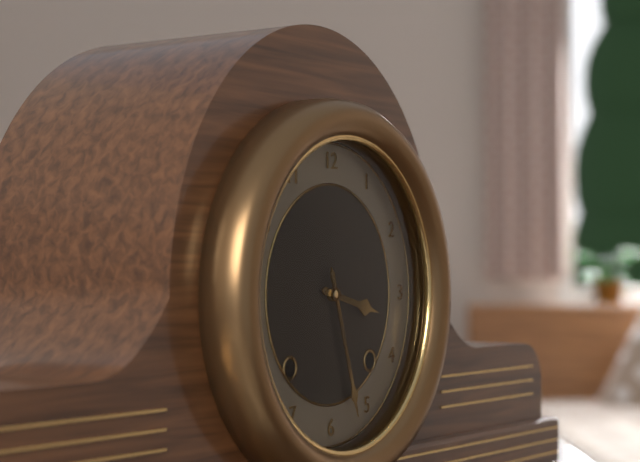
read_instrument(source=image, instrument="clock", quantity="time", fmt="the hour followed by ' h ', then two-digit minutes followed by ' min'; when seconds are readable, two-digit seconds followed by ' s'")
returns 3 h 27 min
